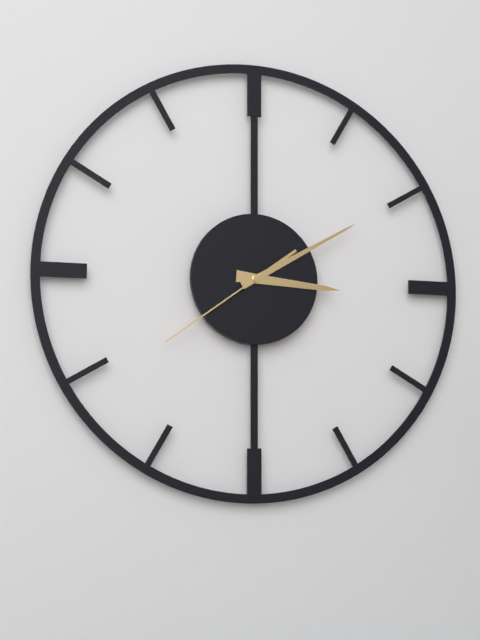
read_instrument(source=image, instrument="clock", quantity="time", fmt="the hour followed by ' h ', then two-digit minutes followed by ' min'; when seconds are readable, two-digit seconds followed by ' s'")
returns 3 h 10 min 39 s
